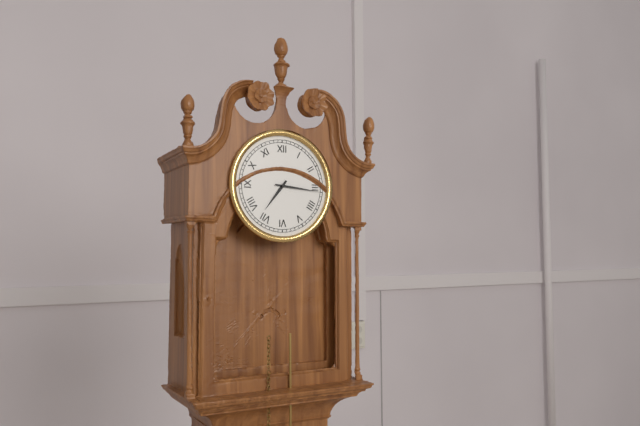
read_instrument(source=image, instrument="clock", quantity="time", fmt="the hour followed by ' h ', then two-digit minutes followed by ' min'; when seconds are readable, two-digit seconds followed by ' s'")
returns 7 h 16 min
